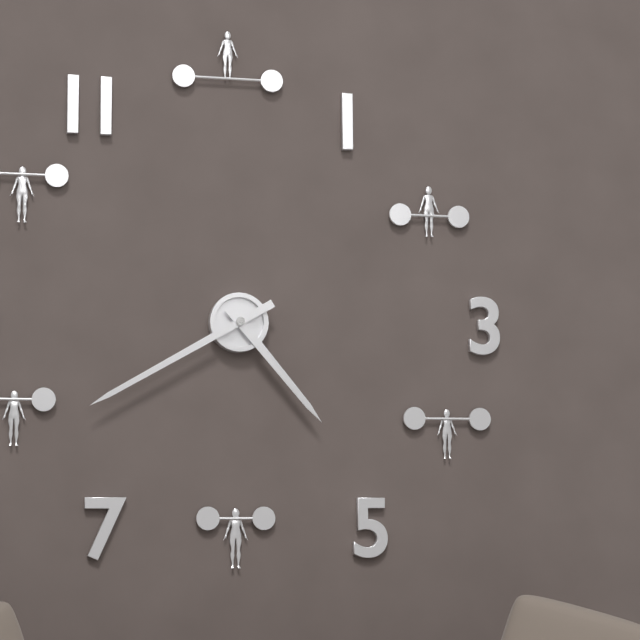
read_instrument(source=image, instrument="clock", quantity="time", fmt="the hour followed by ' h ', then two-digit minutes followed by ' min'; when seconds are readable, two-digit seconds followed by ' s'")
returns 4 h 40 min
